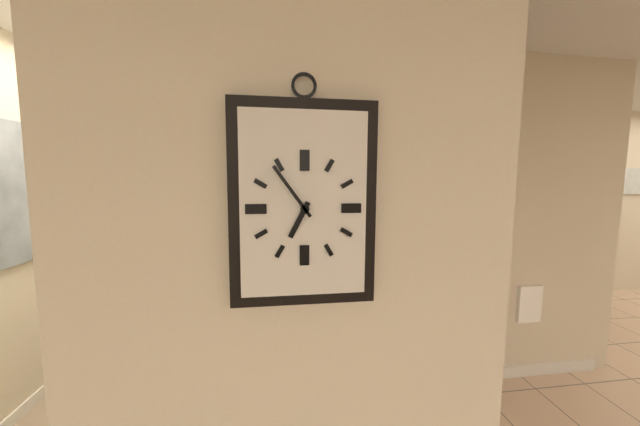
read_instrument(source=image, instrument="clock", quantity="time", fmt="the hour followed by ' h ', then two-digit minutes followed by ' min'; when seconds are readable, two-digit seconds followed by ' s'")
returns 6 h 54 min
